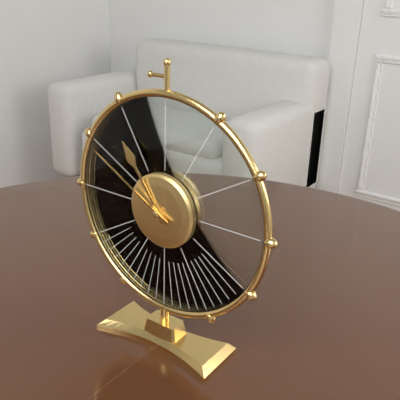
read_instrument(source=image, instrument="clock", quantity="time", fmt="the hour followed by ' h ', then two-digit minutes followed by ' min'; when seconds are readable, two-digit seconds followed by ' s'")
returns 10 h 50 min
